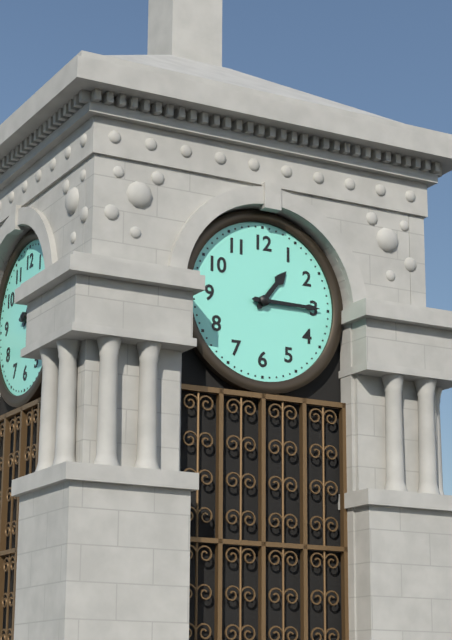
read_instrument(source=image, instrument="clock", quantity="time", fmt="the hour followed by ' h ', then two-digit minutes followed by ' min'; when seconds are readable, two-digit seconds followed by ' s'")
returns 1 h 15 min
